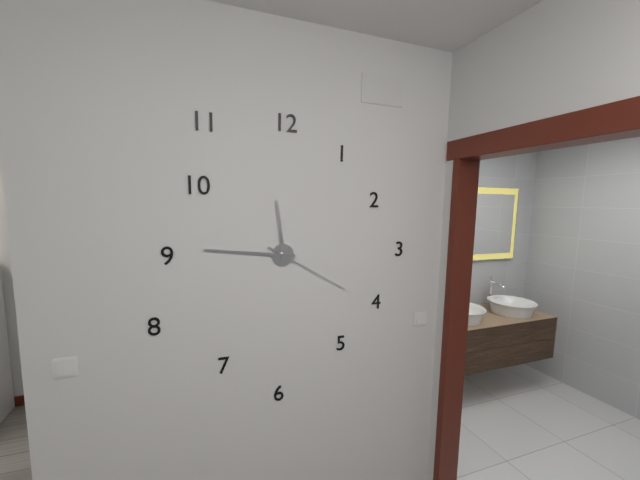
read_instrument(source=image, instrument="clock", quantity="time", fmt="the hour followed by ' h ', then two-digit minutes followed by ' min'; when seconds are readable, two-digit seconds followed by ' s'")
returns 11 h 46 min 20 s
